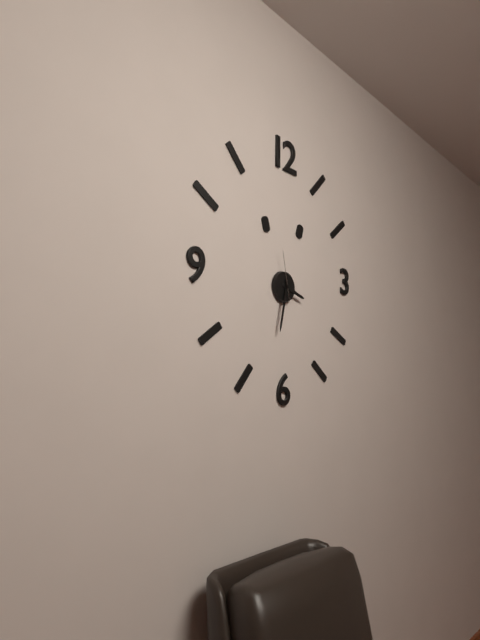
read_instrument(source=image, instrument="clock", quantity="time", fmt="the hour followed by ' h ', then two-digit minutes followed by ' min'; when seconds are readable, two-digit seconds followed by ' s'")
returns 3 h 32 min
